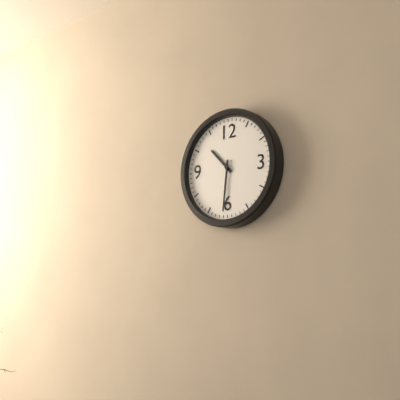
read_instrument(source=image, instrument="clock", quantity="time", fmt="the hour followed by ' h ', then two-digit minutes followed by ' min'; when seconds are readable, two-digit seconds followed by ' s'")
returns 10 h 31 min
